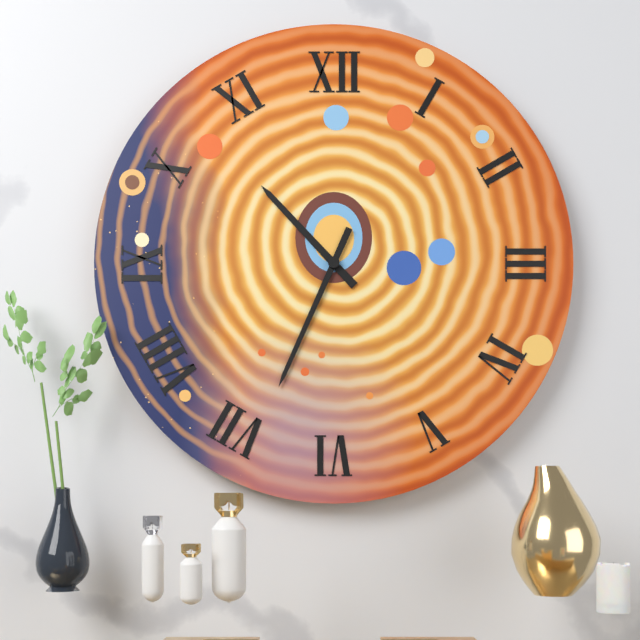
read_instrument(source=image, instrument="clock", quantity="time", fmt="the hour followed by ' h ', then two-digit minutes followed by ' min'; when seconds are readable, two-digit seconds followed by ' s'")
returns 10 h 34 min
